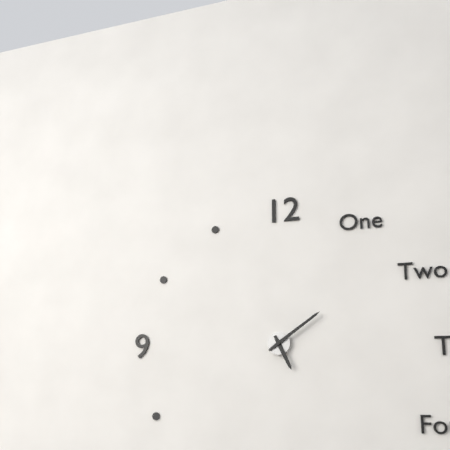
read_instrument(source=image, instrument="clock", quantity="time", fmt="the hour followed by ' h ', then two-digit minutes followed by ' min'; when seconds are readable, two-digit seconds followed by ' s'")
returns 5 h 09 min
